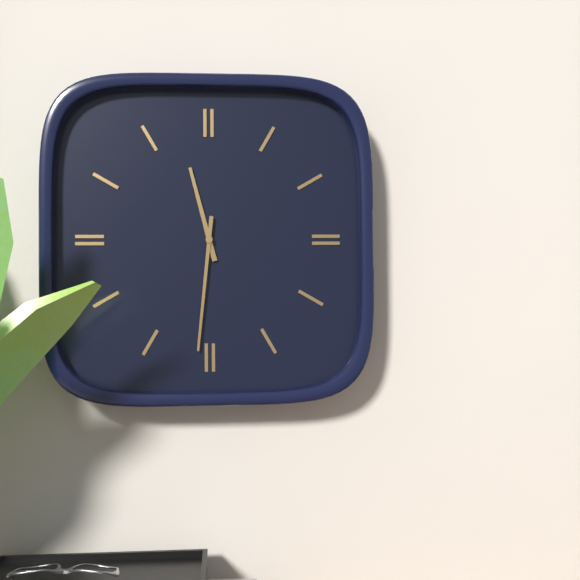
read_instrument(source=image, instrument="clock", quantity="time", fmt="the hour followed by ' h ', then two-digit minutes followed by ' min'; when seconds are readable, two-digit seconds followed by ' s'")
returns 11 h 31 min
